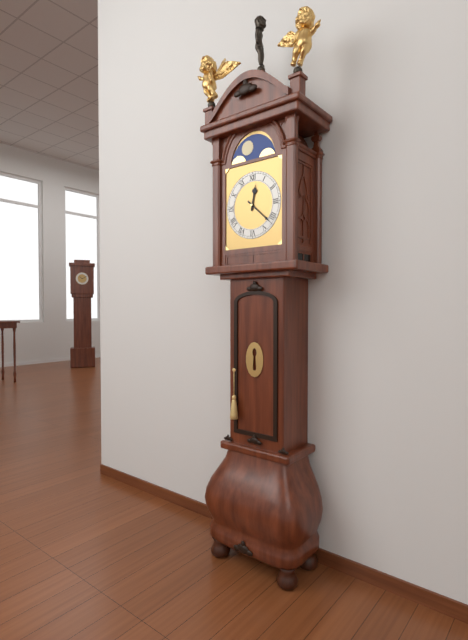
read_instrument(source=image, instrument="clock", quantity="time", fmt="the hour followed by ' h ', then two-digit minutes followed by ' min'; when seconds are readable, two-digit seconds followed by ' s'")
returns 12 h 22 min
